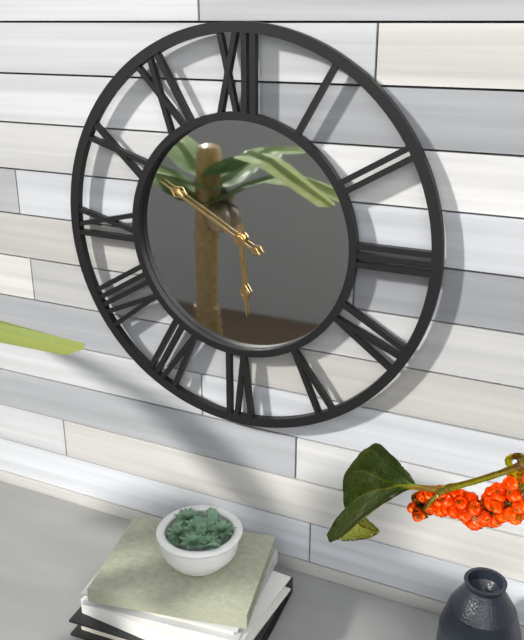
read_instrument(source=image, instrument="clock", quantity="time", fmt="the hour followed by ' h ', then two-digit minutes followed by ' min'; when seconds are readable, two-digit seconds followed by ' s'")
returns 5 h 50 min
